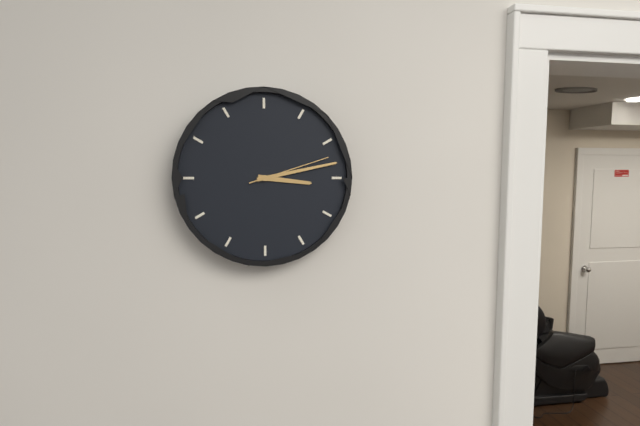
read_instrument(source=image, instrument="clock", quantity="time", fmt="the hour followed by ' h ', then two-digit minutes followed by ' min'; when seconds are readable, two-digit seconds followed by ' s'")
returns 3 h 13 min 12 s
